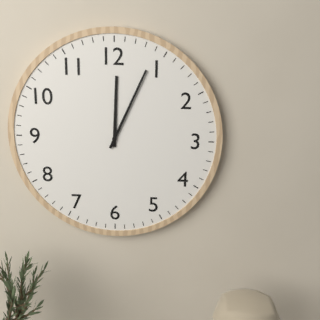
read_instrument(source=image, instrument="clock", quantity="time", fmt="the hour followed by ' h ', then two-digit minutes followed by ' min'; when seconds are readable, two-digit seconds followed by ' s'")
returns 12 h 04 min
